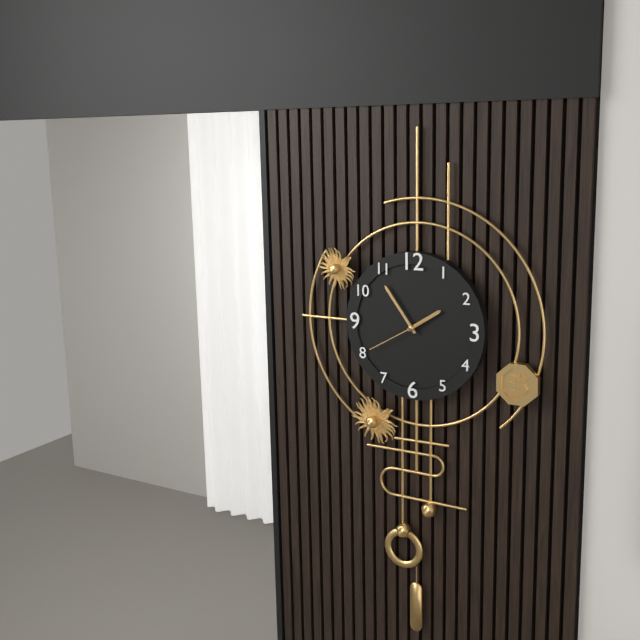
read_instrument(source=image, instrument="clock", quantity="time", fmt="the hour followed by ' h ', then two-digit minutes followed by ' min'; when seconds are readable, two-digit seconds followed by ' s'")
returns 1 h 54 min 40 s
